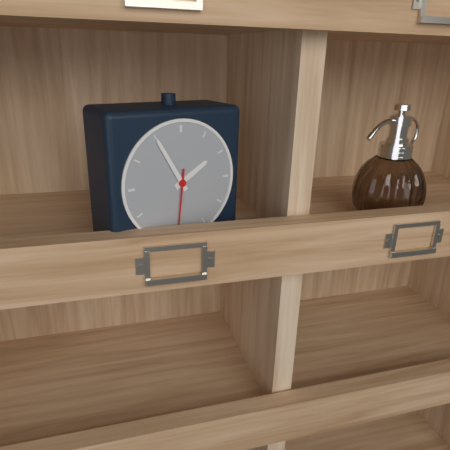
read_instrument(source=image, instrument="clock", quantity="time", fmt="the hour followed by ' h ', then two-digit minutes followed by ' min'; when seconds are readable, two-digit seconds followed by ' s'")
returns 1 h 55 min 31 s
